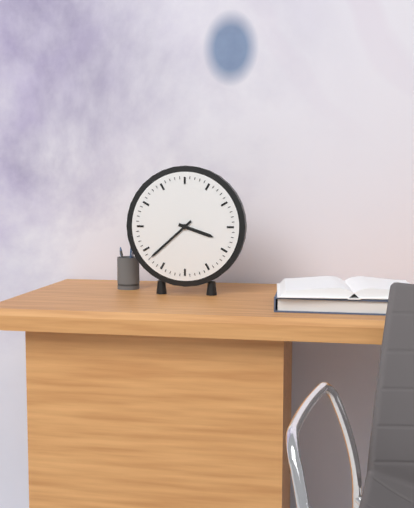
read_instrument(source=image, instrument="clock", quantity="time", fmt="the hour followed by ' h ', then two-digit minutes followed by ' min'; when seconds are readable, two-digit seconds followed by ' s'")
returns 3 h 38 min
